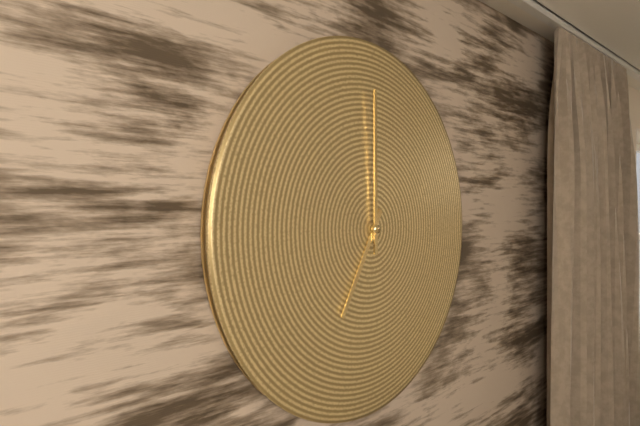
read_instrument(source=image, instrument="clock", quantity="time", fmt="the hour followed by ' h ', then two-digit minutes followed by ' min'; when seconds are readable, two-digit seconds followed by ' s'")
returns 7 h 00 min
